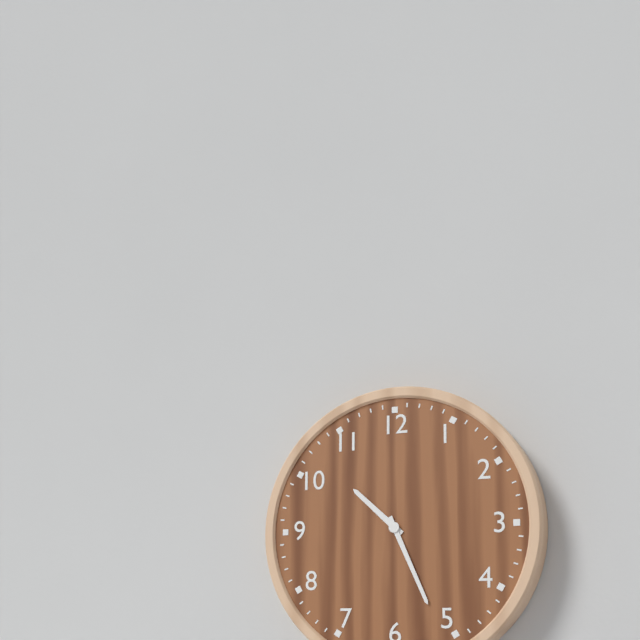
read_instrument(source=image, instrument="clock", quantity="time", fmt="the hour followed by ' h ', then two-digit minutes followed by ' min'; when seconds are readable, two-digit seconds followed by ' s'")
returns 10 h 26 min
